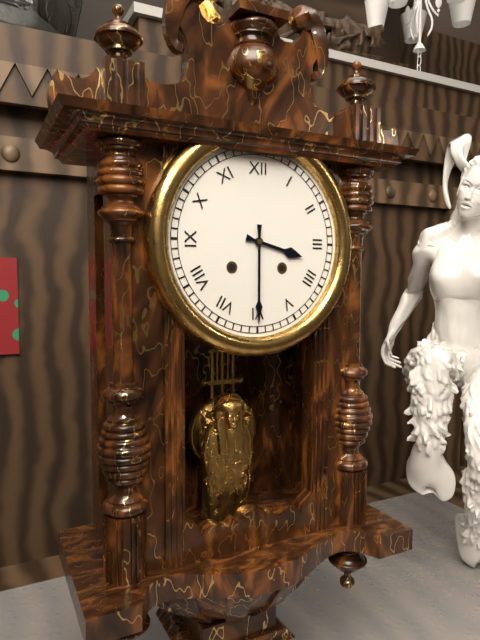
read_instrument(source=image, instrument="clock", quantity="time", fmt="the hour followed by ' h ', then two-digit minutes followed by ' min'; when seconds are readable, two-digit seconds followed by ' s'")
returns 3 h 30 min
